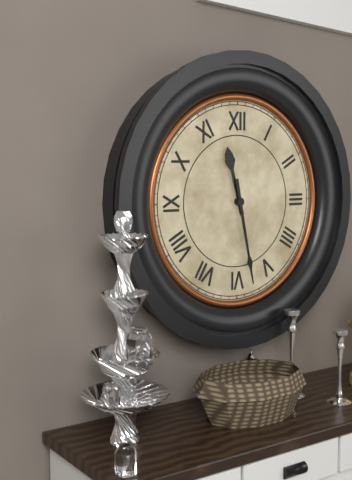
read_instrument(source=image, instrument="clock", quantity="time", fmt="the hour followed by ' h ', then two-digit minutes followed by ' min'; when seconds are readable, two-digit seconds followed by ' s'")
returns 11 h 28 min
